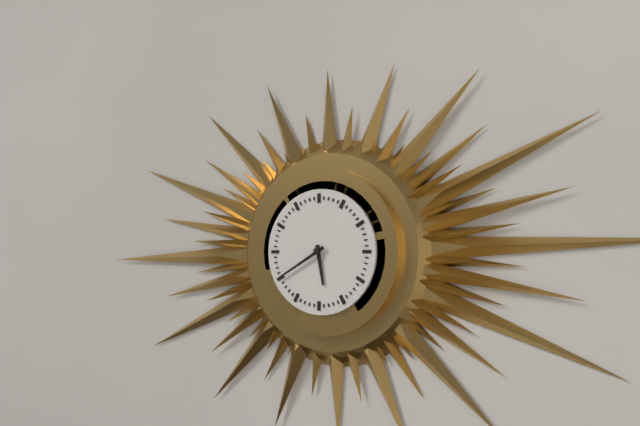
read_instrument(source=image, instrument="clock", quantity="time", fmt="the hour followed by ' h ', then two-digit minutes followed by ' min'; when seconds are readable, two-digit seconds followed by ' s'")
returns 5 h 40 min
